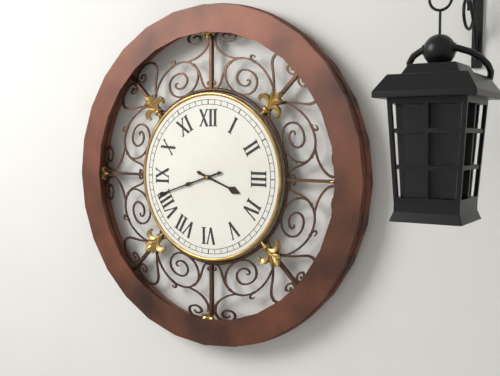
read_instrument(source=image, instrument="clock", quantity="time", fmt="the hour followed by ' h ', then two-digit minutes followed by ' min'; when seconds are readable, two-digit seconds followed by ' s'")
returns 3 h 42 min
